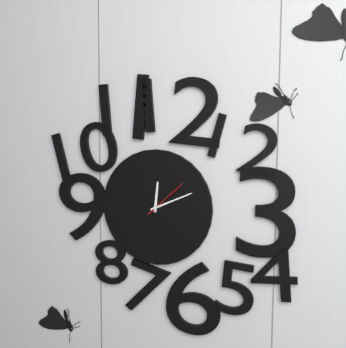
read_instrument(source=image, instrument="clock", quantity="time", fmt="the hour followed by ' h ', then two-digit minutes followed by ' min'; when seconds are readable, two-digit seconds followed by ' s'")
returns 12 h 11 min
